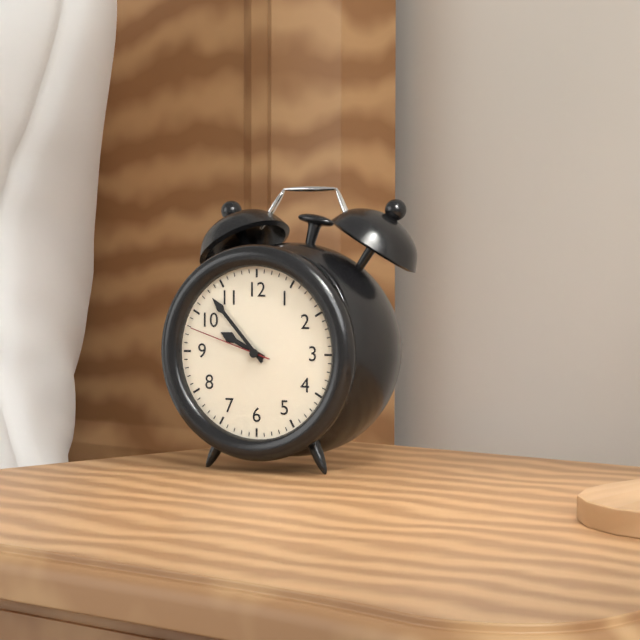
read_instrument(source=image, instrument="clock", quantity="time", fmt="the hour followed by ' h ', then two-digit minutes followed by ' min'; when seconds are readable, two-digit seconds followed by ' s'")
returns 9 h 53 min 48 s
